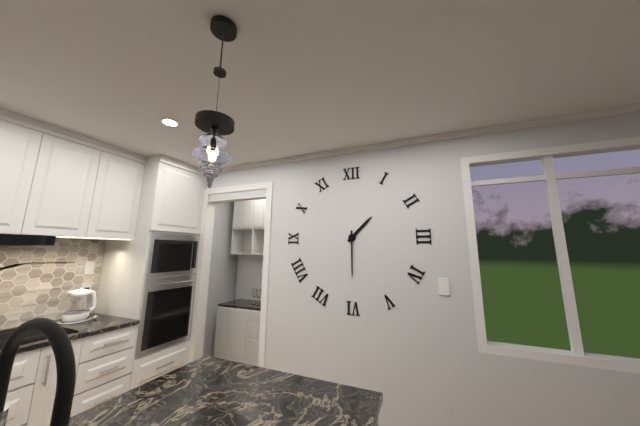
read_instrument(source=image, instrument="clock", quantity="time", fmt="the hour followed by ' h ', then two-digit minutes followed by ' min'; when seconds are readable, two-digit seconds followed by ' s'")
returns 1 h 30 min
